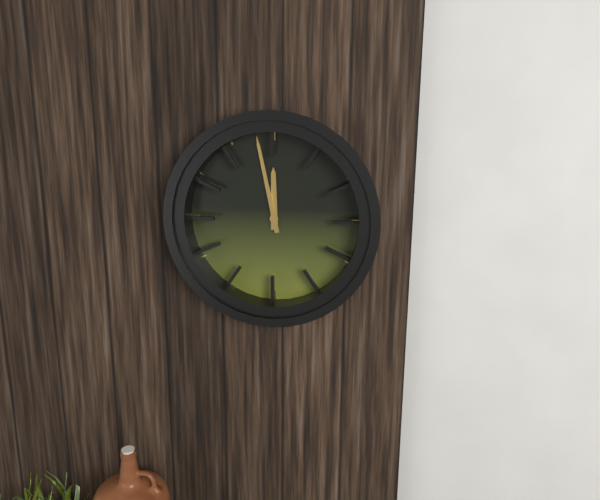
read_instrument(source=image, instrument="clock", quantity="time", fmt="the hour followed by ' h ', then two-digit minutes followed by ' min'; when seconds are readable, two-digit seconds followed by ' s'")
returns 11 h 58 min
